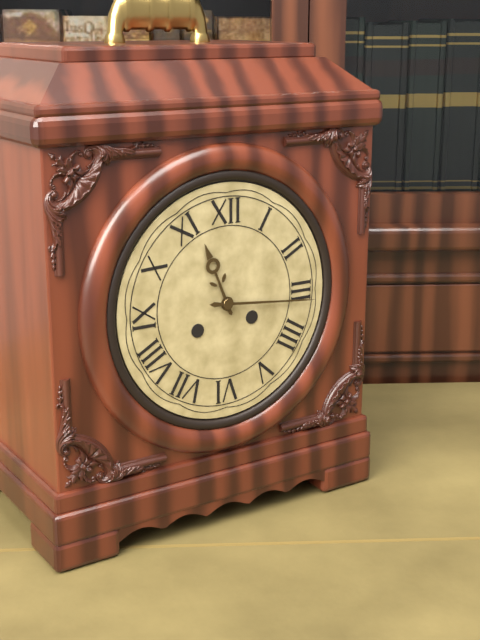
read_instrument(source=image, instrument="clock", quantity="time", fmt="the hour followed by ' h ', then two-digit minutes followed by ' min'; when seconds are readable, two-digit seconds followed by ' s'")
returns 11 h 16 min
